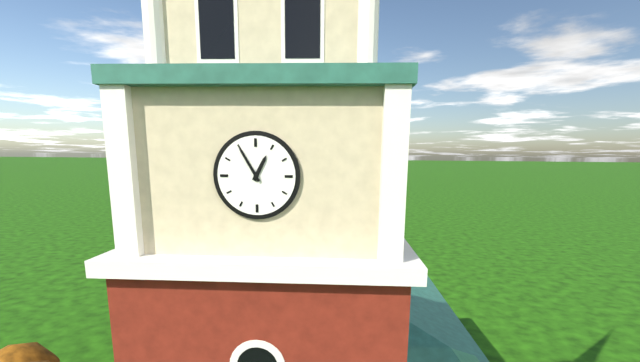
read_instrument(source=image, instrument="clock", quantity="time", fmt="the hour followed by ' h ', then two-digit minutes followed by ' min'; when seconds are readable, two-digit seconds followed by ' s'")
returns 12 h 55 min
